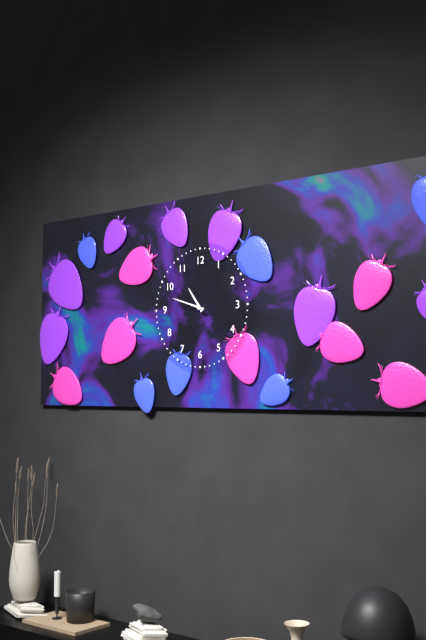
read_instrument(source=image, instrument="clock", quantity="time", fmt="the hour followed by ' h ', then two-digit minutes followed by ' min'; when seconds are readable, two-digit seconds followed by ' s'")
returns 10 h 48 min
